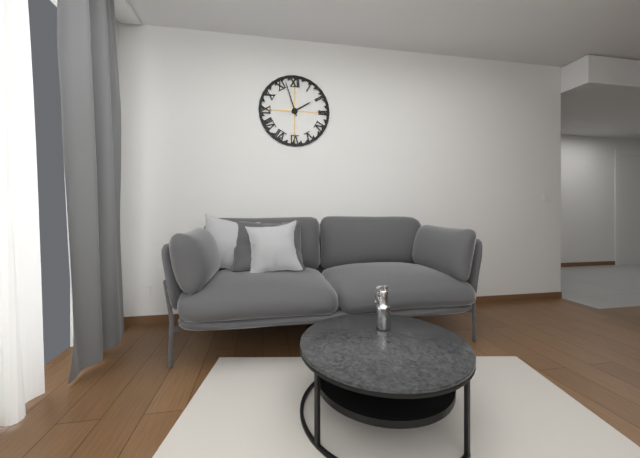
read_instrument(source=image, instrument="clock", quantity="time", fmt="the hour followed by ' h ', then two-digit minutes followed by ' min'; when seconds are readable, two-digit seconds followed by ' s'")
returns 1 h 57 min
